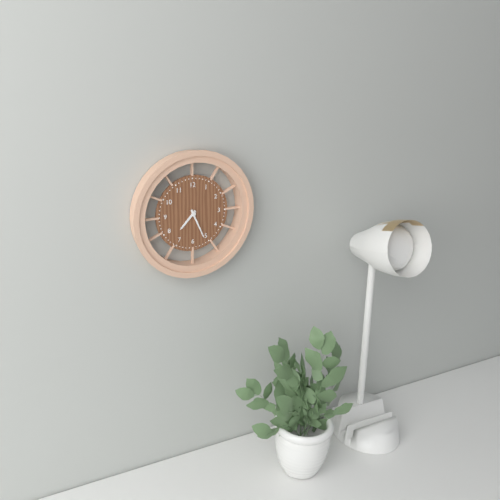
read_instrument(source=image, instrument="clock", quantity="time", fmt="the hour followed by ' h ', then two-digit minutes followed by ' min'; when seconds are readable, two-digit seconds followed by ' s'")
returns 7 h 26 min
